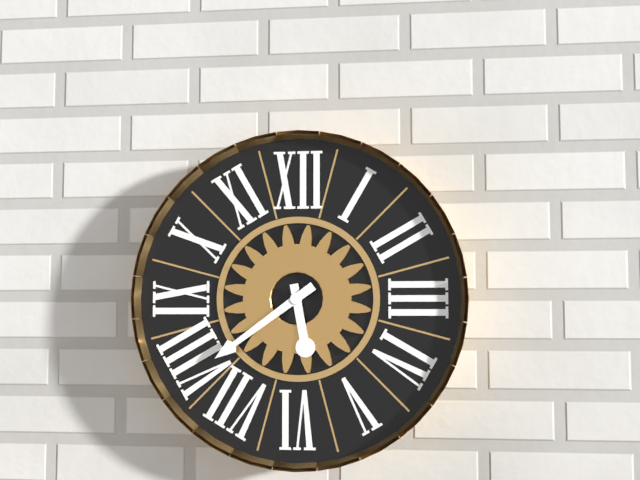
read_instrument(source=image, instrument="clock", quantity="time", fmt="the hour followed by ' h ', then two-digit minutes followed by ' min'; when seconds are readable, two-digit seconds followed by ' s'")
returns 5 h 39 min
